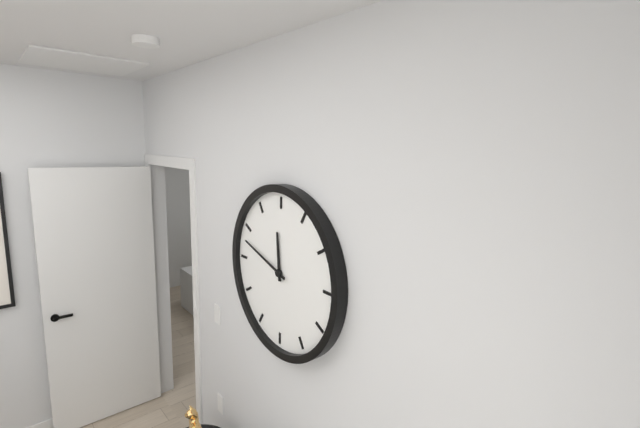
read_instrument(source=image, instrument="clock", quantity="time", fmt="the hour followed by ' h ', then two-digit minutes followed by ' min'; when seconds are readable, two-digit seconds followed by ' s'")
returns 11 h 48 min
